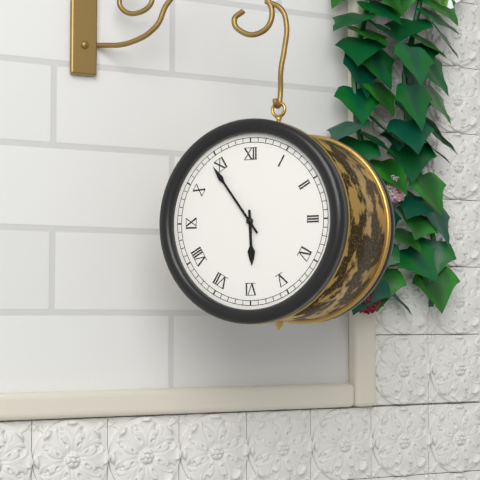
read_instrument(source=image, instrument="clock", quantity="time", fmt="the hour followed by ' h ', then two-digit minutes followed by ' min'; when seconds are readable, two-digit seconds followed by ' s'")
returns 5 h 54 min
